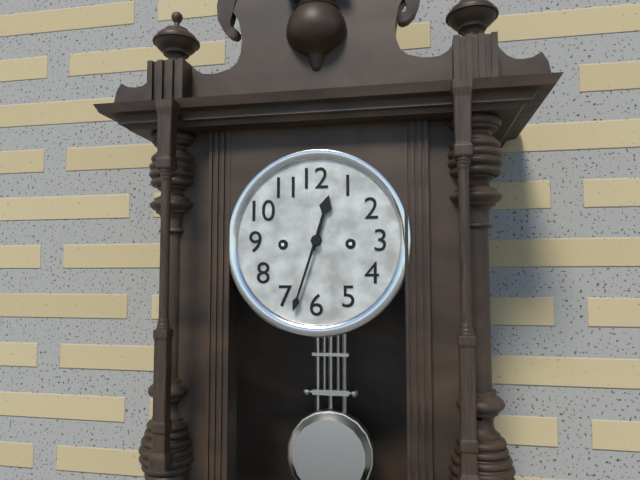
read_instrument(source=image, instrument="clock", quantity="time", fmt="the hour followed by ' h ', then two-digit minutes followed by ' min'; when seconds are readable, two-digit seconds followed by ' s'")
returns 12 h 33 min
